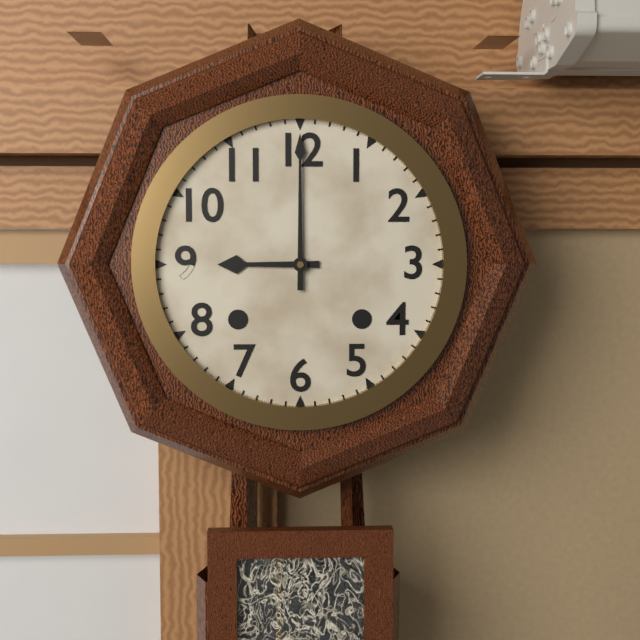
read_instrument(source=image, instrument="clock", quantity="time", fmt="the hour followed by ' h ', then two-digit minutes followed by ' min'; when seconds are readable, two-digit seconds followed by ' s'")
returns 9 h 00 min
